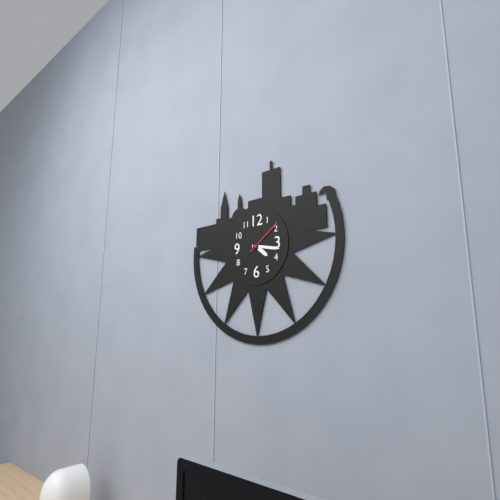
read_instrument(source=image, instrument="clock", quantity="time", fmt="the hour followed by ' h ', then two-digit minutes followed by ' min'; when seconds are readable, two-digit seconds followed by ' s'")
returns 4 h 17 min
